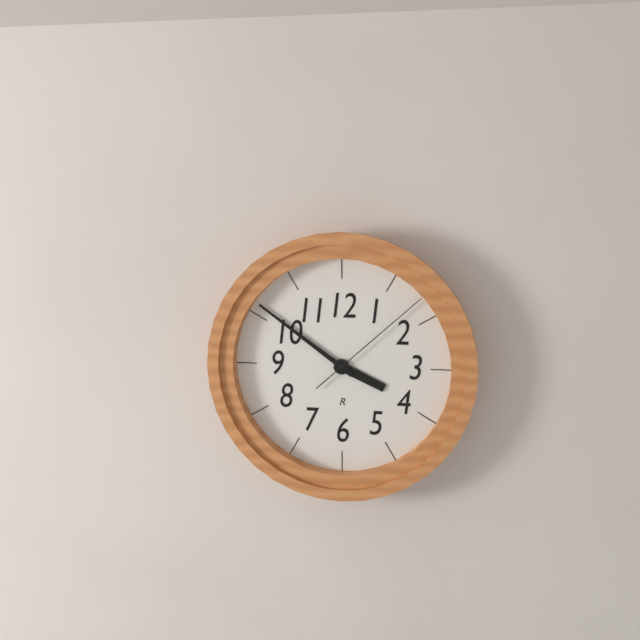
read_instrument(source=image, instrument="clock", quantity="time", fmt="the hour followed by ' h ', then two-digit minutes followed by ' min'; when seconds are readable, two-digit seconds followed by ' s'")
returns 3 h 51 min 08 s
